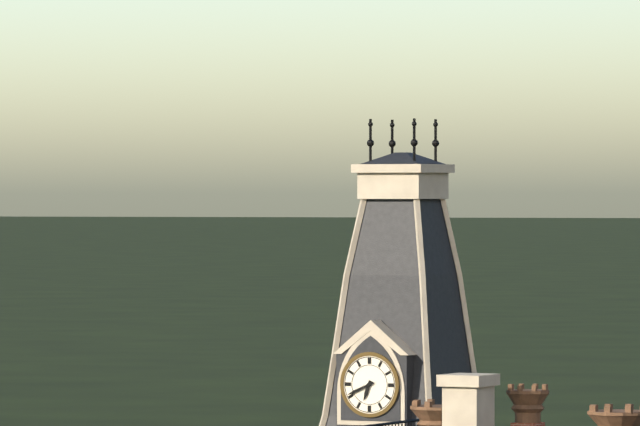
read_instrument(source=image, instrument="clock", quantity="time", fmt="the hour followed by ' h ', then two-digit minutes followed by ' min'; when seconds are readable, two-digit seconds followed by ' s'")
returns 6 h 41 min
